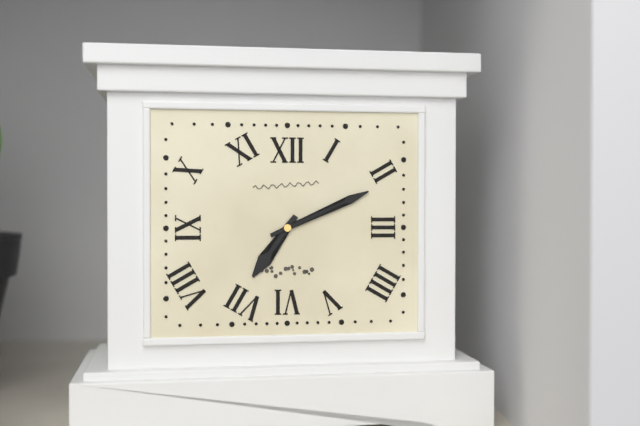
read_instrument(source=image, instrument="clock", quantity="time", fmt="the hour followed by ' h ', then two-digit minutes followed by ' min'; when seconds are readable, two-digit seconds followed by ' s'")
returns 7 h 11 min
